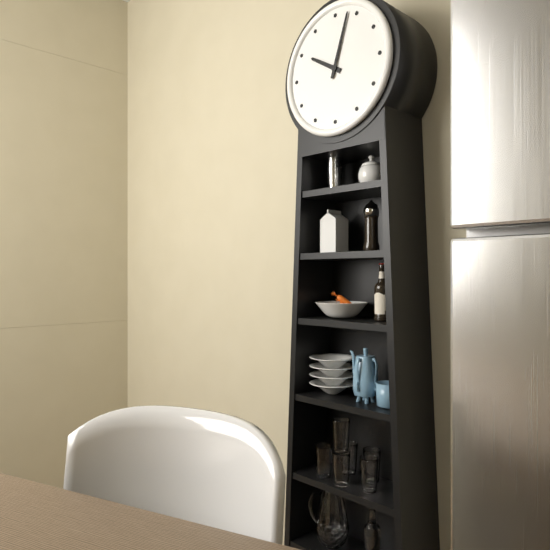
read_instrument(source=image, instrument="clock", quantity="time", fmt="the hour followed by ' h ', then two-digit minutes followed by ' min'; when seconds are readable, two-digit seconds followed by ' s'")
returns 10 h 03 min
